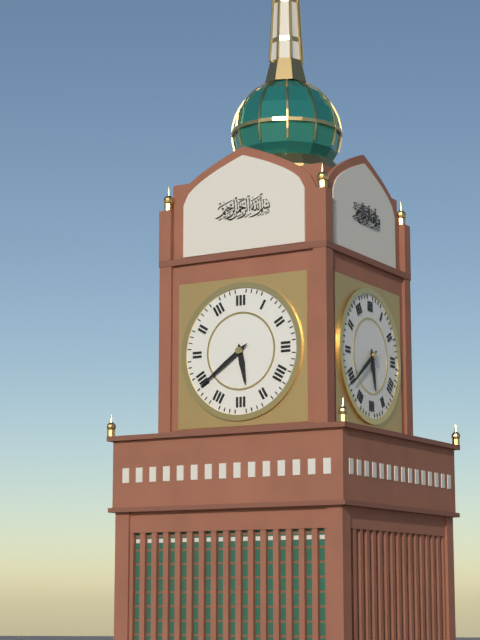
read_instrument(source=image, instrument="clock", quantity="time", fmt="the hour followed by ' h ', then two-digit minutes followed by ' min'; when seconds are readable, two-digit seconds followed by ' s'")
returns 5 h 39 min
